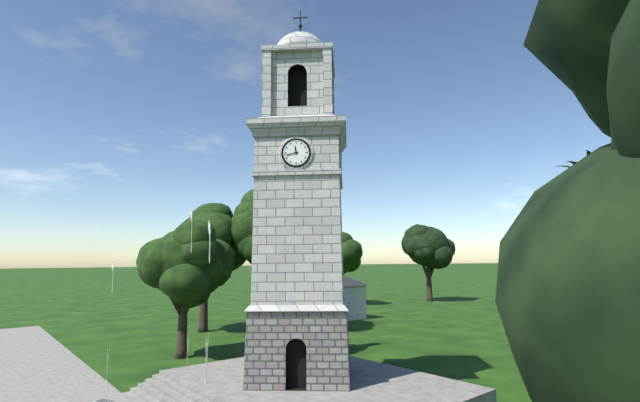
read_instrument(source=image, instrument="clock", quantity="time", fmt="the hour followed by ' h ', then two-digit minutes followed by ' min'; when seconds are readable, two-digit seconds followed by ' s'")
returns 11 h 43 min
